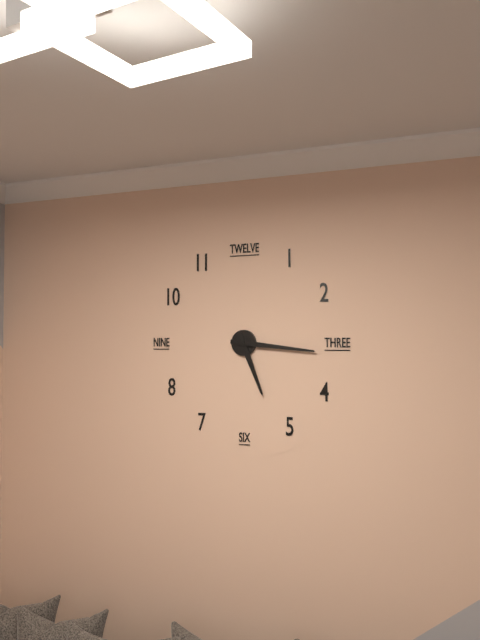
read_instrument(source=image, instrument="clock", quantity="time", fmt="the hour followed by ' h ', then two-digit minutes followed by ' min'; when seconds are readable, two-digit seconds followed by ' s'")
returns 5 h 16 min
